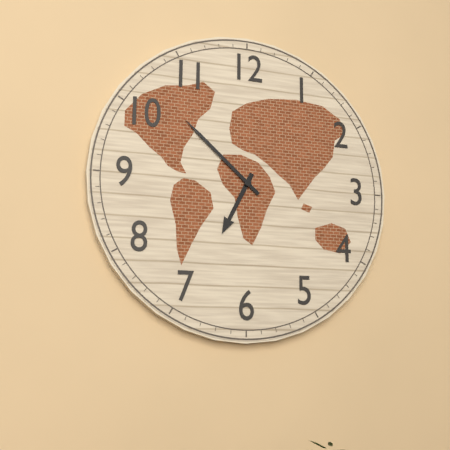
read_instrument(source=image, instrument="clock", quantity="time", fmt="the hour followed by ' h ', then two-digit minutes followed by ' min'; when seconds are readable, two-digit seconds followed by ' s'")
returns 6 h 52 min
